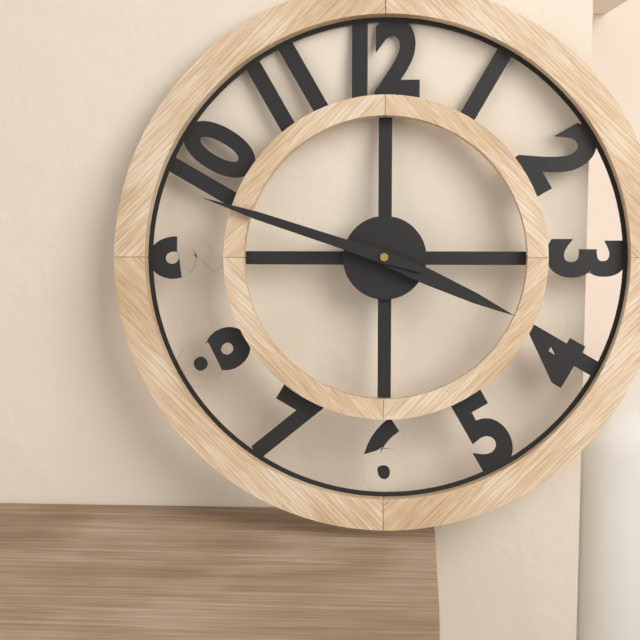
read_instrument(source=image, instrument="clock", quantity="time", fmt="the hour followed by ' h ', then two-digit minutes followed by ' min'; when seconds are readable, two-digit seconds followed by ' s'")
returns 3 h 48 min
